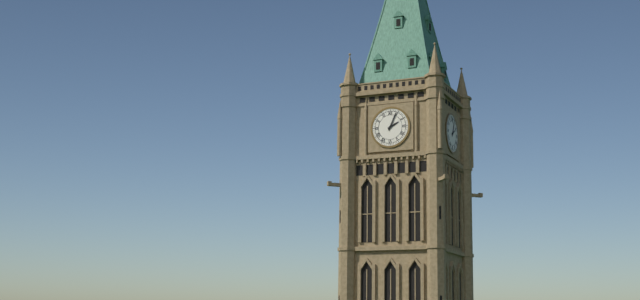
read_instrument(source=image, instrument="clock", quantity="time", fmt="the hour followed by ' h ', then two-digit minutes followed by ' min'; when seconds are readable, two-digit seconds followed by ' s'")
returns 2 h 04 min
